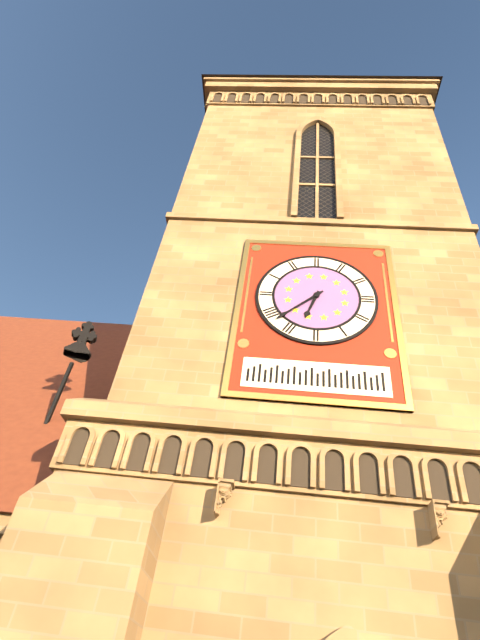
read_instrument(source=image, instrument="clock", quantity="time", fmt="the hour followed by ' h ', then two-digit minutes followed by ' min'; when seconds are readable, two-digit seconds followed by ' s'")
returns 6 h 38 min
